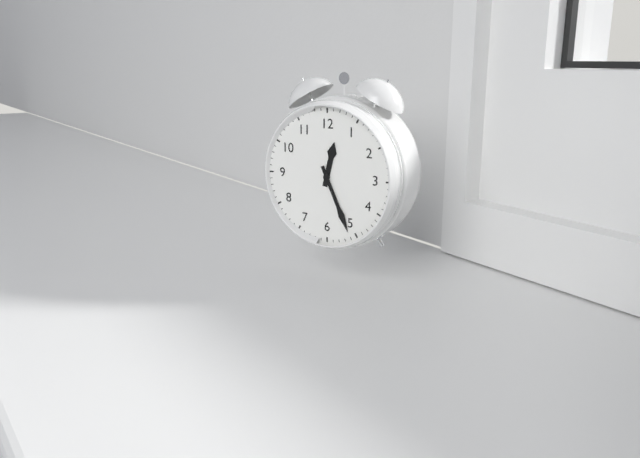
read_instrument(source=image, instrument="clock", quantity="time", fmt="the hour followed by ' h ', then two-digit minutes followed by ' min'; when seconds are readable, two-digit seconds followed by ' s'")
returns 12 h 26 min
